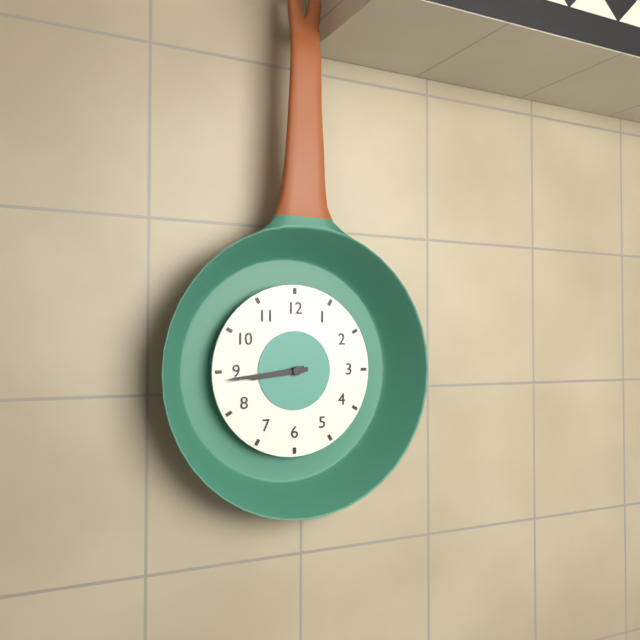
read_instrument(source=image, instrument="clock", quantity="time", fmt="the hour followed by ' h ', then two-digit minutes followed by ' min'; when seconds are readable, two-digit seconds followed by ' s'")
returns 8 h 44 min
